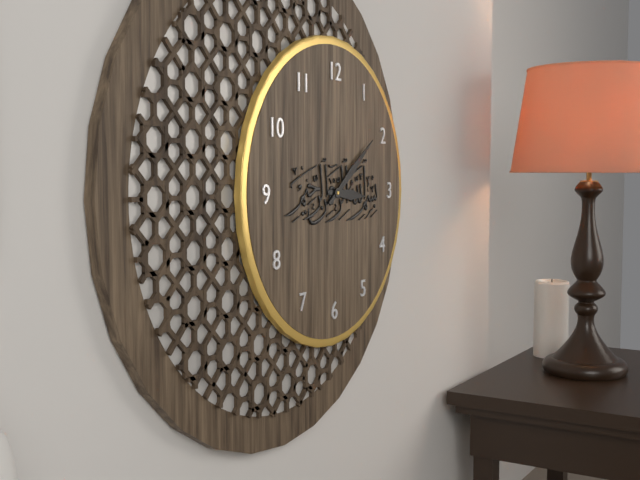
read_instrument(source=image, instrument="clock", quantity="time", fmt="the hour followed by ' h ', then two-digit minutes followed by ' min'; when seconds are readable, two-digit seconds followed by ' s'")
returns 3 h 09 min
